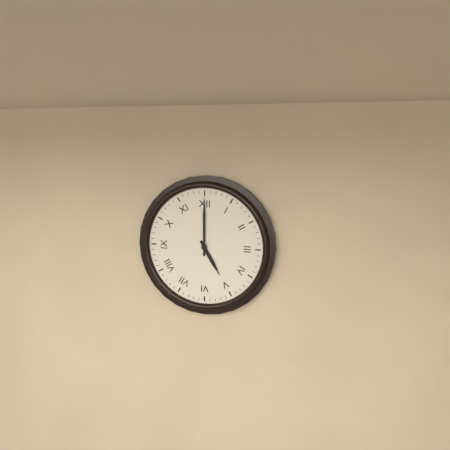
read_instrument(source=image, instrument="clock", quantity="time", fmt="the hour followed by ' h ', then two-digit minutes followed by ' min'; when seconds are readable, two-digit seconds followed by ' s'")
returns 5 h 00 min
